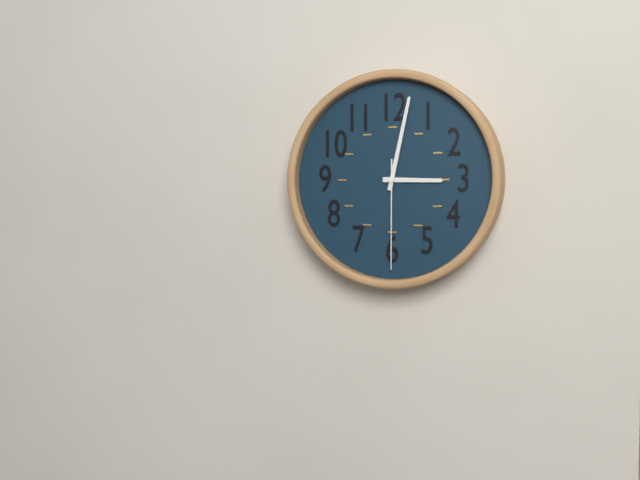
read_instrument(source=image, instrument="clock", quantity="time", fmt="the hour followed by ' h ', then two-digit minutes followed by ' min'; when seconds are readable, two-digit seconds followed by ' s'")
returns 3 h 02 min 30 s
